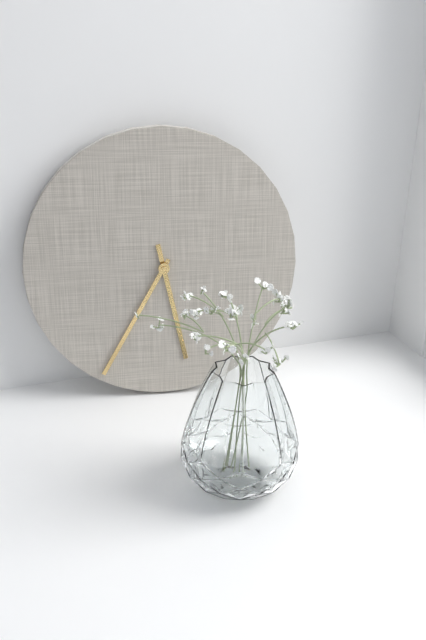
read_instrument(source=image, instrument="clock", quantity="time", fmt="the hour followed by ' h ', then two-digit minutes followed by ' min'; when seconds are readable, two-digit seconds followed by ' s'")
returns 5 h 35 min
